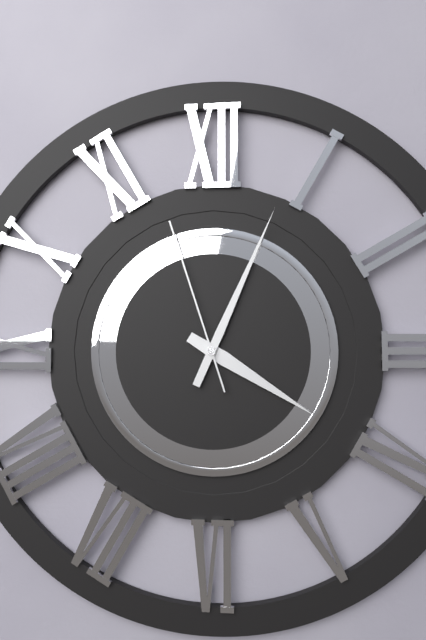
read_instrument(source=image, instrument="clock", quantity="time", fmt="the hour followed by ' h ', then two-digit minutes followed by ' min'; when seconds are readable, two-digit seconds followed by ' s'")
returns 4 h 04 min 57 s
